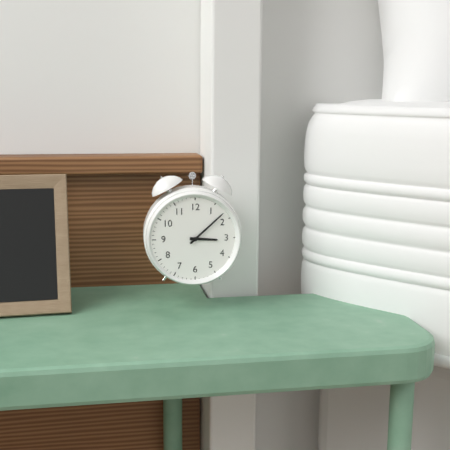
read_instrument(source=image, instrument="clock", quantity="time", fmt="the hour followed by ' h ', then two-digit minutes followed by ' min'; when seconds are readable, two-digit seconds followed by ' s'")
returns 3 h 08 min
